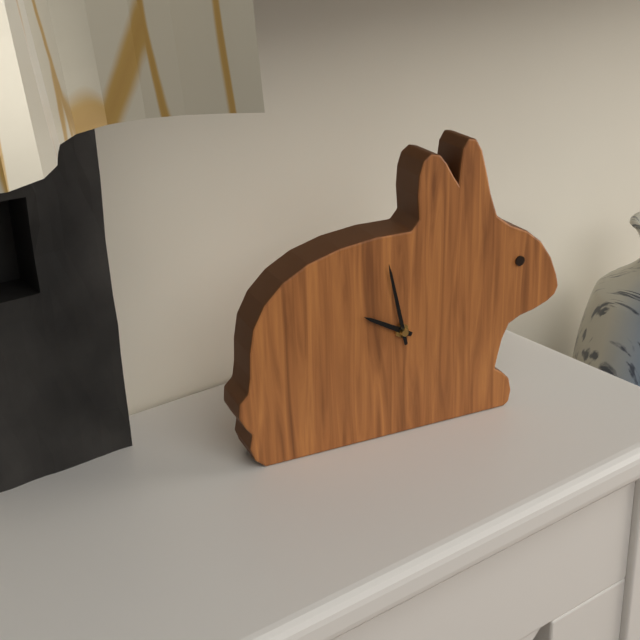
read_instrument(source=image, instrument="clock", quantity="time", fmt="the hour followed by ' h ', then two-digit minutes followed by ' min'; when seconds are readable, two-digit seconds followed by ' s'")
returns 9 h 58 min
